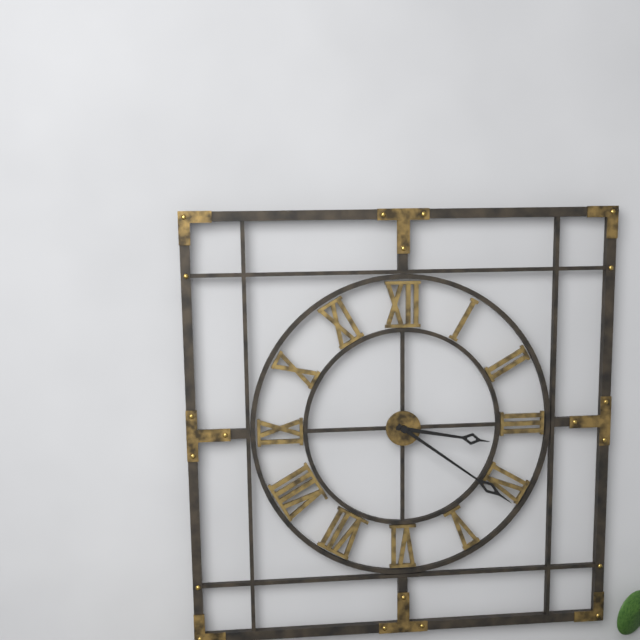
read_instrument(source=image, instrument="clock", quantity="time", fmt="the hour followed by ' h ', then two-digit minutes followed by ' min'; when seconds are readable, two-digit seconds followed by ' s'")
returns 3 h 21 min
